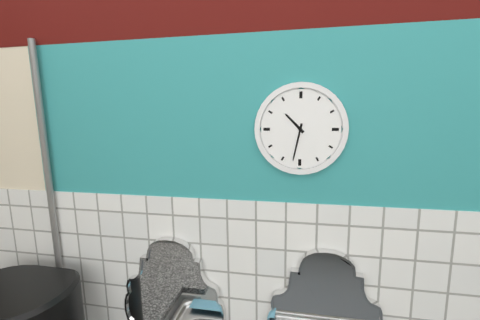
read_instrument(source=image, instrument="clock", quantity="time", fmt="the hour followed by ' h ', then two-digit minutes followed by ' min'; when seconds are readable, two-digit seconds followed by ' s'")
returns 10 h 32 min
